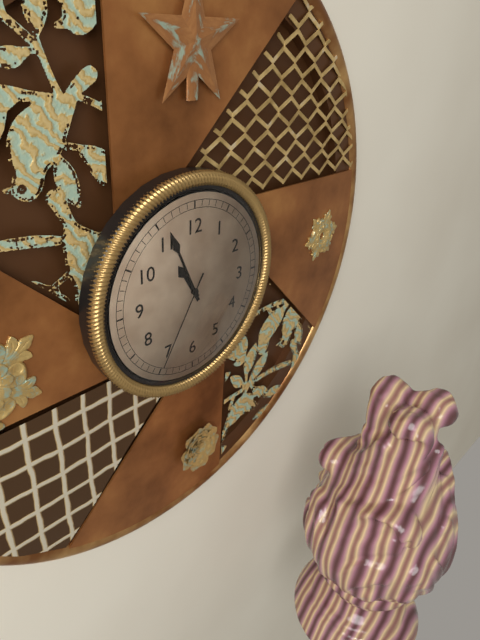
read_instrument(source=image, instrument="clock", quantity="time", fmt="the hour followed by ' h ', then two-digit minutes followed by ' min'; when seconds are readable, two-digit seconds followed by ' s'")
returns 10 h 56 min 35 s
